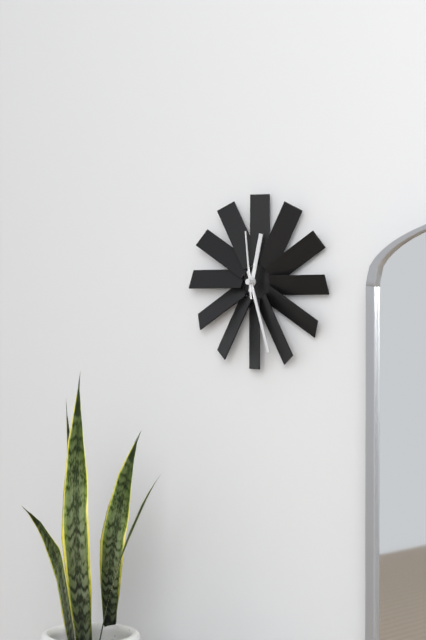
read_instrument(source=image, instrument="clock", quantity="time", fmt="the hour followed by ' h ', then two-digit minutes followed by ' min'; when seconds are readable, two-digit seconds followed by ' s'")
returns 12 h 27 min 59 s
